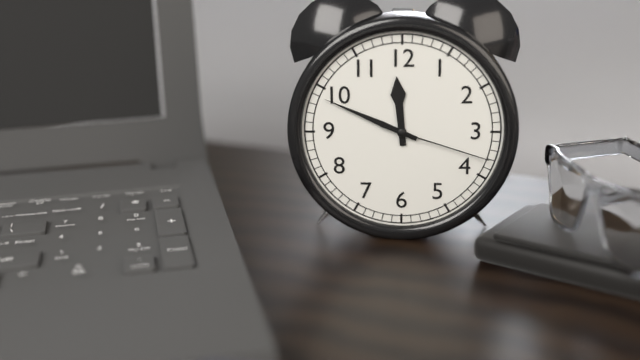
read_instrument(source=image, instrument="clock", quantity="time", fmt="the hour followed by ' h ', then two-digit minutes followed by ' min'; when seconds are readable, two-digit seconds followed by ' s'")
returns 11 h 49 min 18 s
